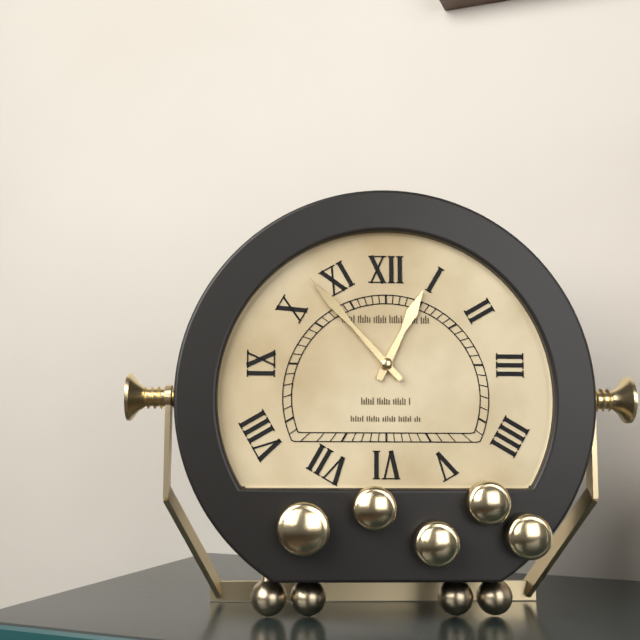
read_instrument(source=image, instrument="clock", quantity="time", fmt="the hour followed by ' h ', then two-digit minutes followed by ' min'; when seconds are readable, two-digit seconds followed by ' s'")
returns 12 h 53 min
